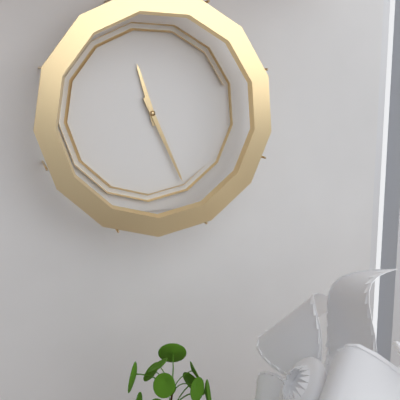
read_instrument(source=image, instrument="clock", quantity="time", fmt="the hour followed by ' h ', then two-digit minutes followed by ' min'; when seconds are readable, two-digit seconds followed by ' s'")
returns 11 h 26 min
